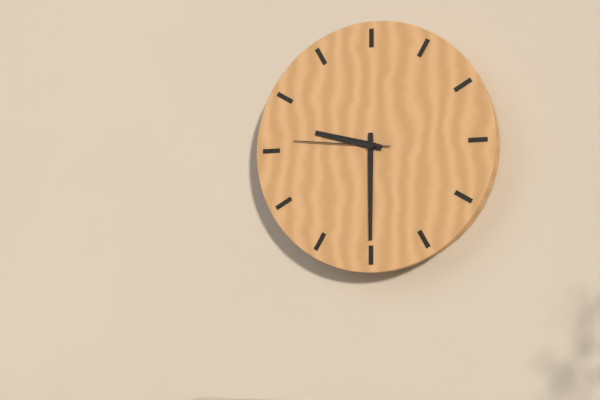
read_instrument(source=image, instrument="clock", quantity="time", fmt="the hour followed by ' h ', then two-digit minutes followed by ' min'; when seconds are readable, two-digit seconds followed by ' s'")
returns 9 h 30 min 46 s
